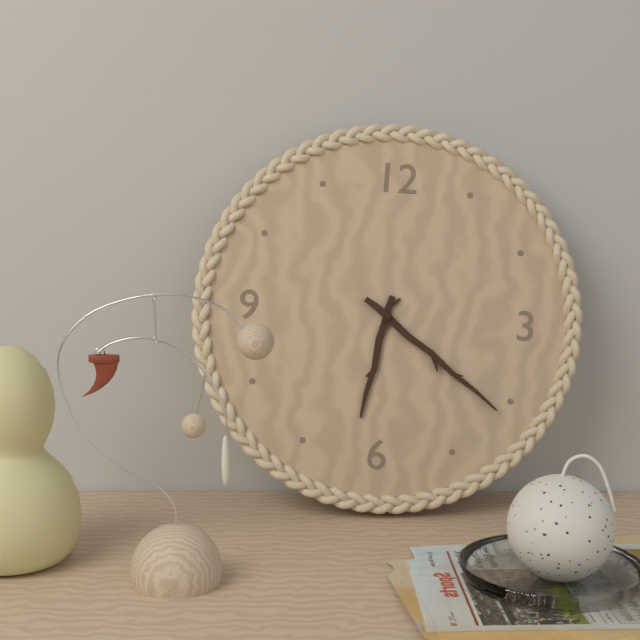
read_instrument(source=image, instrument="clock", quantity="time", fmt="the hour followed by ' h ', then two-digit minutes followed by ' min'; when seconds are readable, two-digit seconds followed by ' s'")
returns 6 h 21 min
